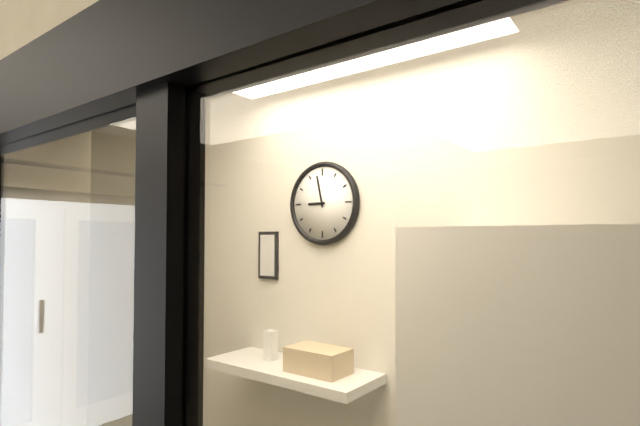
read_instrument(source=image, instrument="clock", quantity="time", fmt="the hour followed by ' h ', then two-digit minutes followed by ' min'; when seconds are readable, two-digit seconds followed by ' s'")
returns 8 h 58 min
